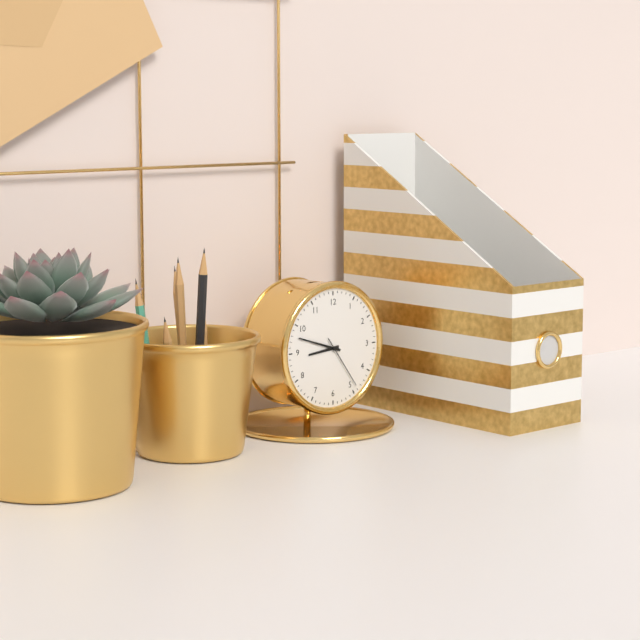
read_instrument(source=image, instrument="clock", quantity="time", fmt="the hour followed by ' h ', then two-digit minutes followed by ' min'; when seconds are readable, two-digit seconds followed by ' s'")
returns 8 h 48 min 24 s
